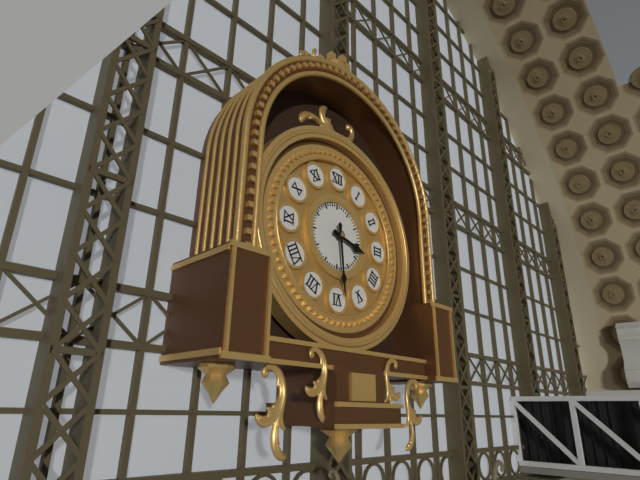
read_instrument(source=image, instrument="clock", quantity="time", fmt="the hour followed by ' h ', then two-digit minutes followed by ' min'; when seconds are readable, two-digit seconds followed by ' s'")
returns 3 h 29 min
